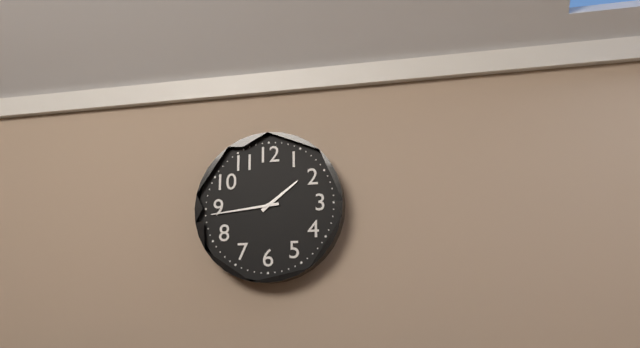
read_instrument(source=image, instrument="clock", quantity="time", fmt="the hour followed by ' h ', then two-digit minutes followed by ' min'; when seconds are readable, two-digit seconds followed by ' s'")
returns 1 h 44 min
